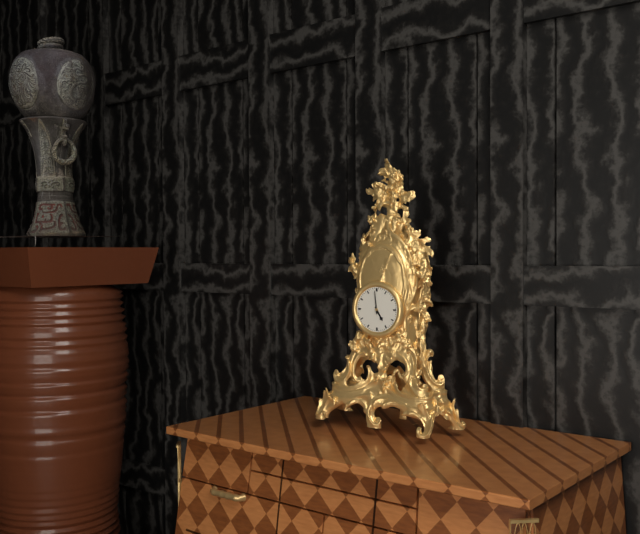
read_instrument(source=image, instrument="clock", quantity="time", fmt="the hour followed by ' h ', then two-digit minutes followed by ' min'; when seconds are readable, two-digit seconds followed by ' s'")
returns 4 h 59 min
